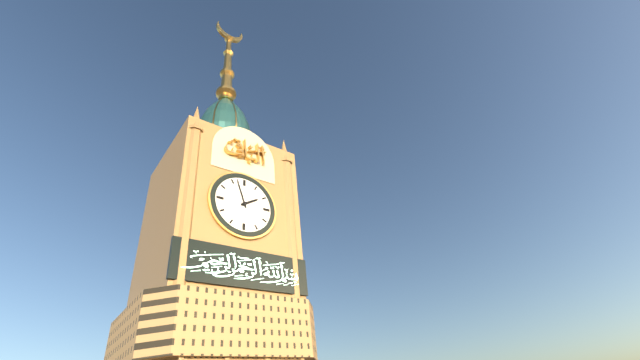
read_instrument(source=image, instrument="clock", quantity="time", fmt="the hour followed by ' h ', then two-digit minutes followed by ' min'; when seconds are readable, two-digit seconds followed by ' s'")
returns 1 h 57 min
